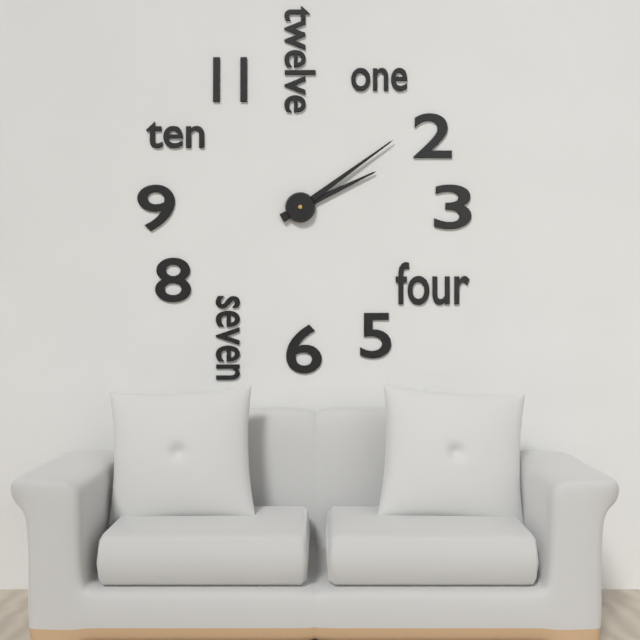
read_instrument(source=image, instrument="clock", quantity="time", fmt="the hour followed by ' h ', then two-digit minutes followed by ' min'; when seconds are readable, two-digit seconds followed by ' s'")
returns 2 h 09 min
